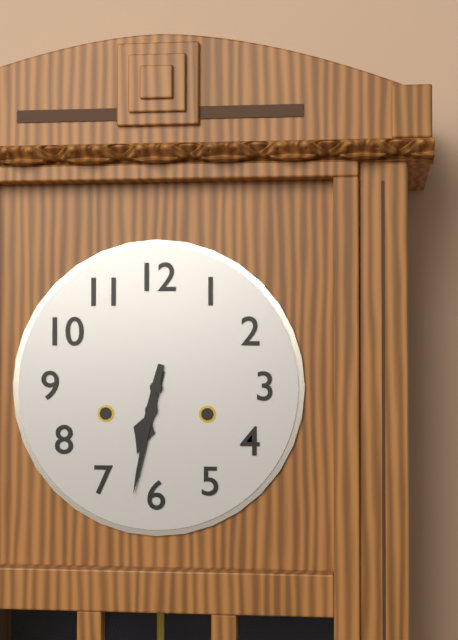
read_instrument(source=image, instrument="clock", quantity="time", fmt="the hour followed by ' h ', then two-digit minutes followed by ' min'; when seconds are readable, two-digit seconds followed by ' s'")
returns 6 h 32 min
